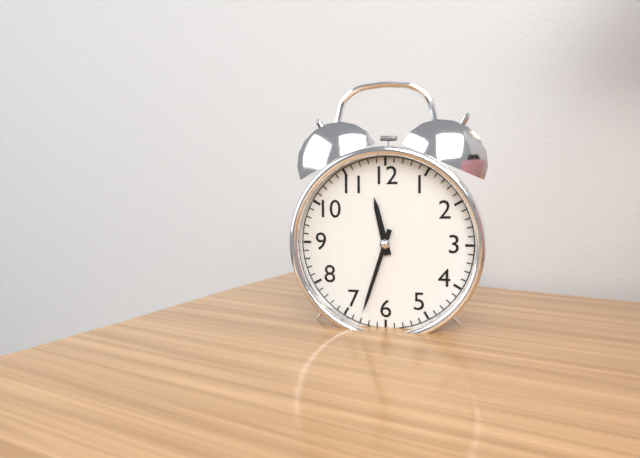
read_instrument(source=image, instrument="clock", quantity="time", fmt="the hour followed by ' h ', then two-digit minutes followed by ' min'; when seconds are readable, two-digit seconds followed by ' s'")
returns 11 h 33 min
